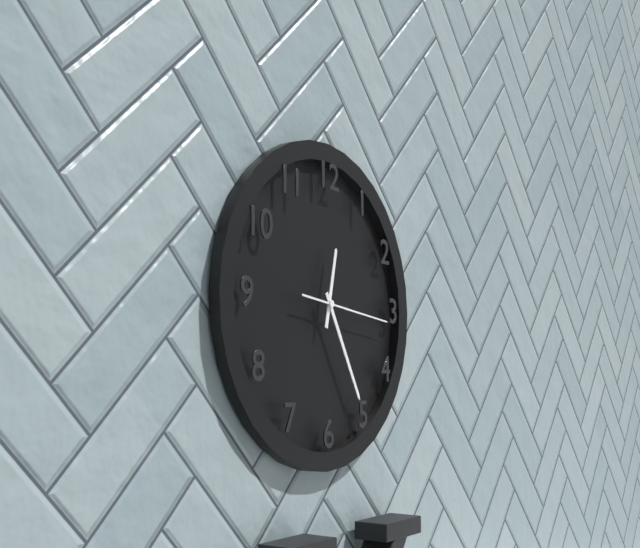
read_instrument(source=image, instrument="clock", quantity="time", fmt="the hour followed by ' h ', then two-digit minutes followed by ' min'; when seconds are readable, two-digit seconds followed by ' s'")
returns 12 h 25 min 16 s
